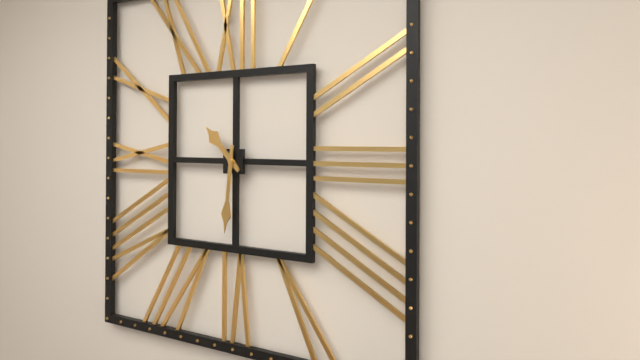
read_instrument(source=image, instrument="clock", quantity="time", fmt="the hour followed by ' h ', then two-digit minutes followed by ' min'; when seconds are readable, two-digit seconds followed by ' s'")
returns 10 h 31 min
